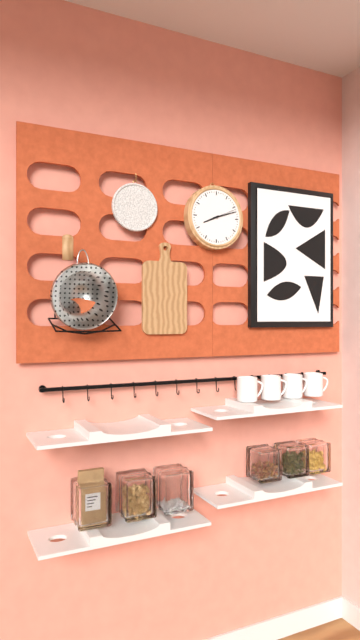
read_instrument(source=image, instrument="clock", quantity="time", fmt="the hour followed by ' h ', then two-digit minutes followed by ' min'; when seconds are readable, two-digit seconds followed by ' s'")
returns 8 h 12 min
